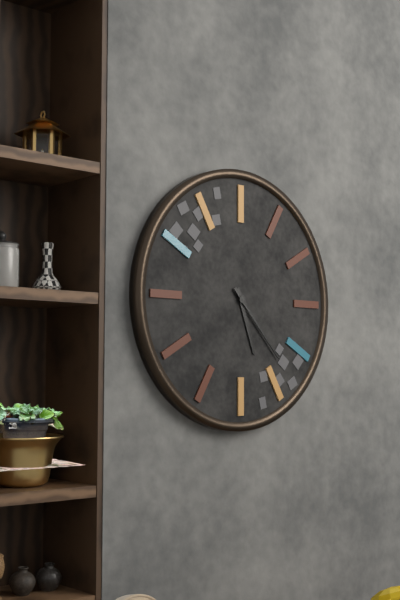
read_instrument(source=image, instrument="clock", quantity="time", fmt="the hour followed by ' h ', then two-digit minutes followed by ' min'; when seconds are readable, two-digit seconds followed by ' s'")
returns 5 h 23 min
